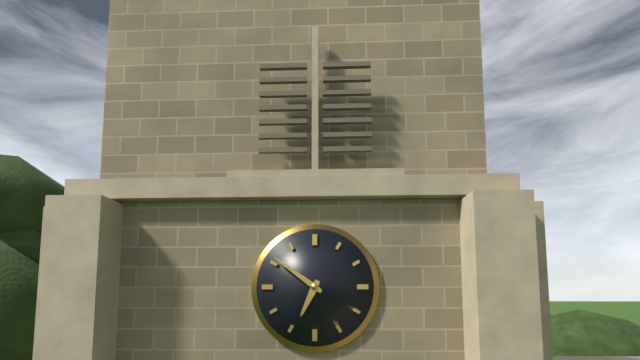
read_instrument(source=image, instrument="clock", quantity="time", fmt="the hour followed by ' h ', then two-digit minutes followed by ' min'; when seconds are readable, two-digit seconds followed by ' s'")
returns 6 h 51 min
